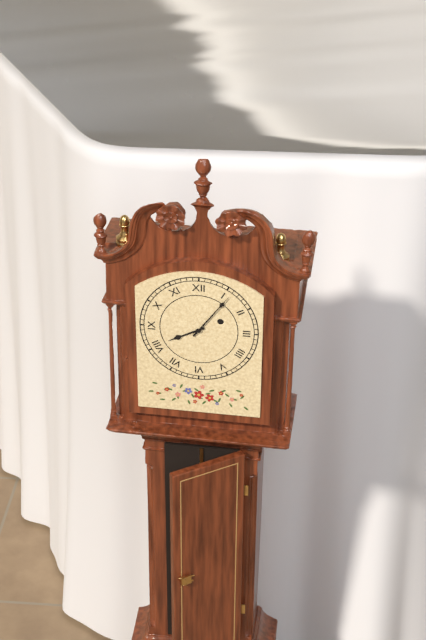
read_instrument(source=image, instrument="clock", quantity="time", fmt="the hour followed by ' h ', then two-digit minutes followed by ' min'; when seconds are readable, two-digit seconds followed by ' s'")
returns 8 h 06 min
